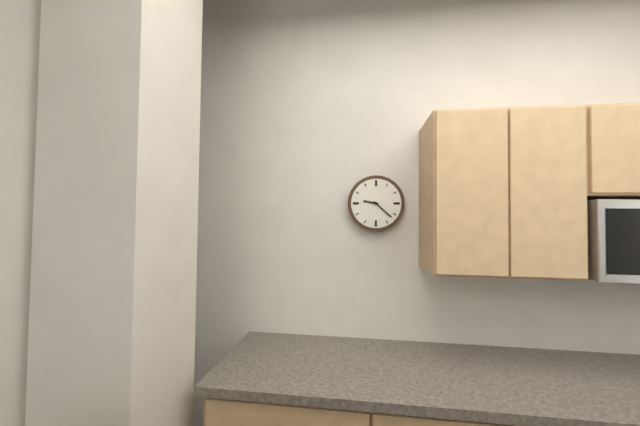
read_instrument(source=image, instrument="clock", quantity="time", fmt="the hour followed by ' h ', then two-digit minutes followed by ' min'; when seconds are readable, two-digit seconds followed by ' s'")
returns 9 h 22 min
